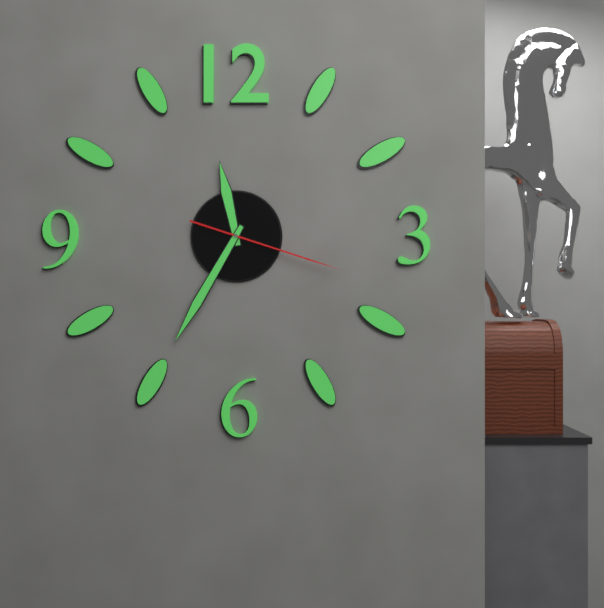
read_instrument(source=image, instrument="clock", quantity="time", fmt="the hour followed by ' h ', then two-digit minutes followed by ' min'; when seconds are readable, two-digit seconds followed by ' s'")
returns 11 h 35 min 18 s
